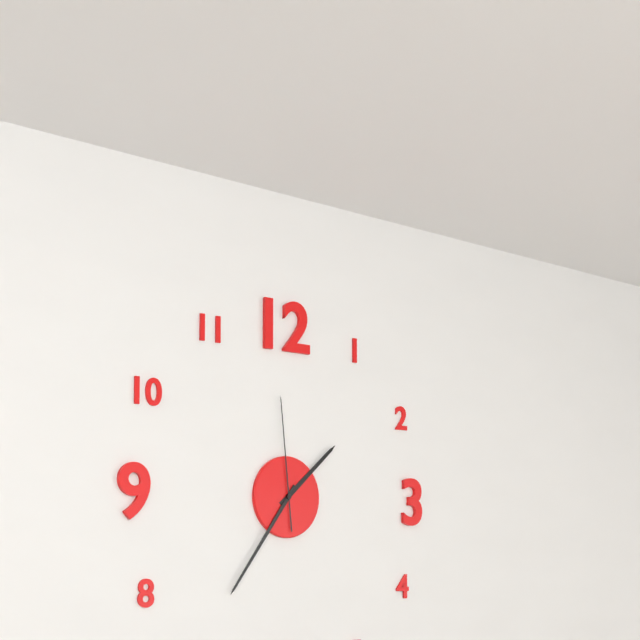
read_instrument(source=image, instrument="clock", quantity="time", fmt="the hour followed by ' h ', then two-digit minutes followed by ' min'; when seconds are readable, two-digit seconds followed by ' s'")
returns 1 h 36 min 59 s
